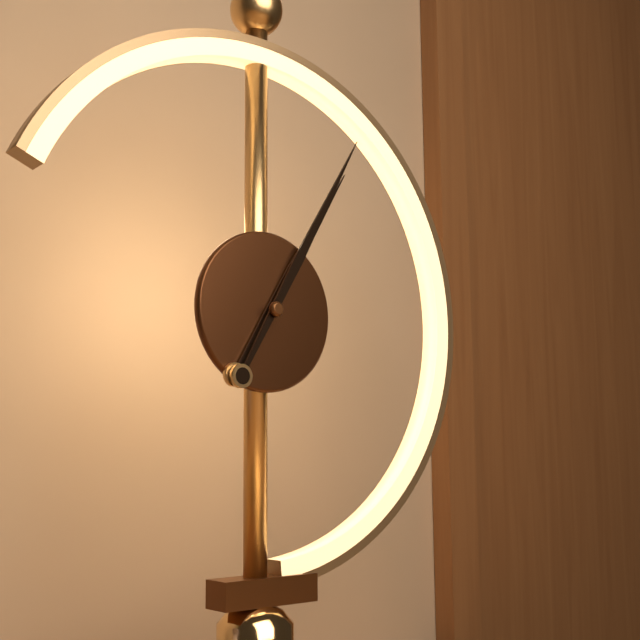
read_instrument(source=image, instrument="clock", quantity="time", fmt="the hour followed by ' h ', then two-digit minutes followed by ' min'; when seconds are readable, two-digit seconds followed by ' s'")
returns 1 h 05 min
